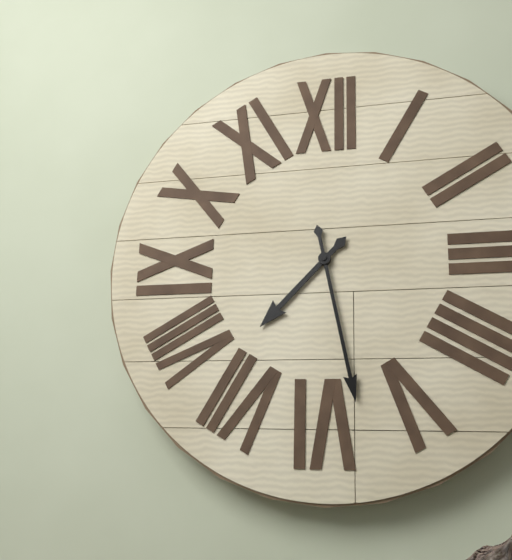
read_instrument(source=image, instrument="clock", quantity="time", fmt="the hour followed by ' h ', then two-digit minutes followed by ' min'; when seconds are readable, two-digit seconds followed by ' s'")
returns 7 h 28 min
